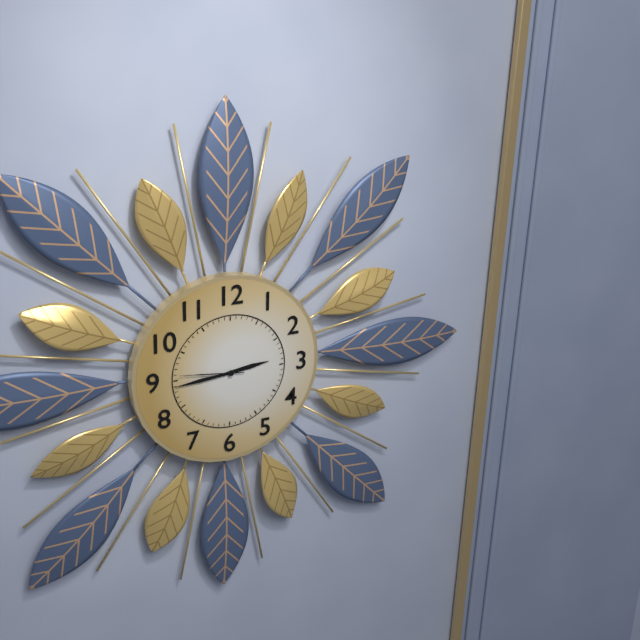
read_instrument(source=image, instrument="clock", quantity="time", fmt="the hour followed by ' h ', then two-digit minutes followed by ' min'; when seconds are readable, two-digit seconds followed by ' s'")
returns 2 h 44 min 46 s
